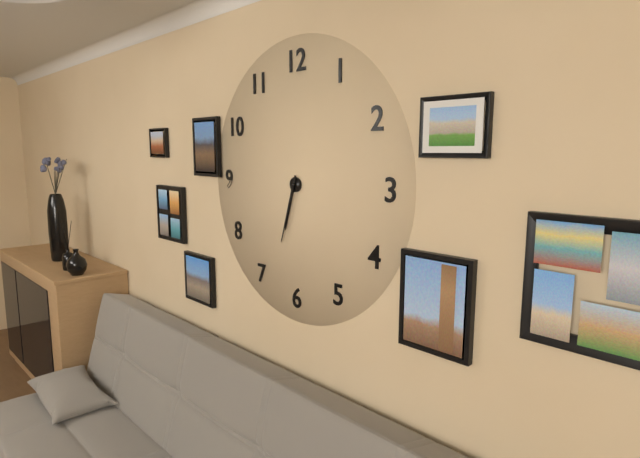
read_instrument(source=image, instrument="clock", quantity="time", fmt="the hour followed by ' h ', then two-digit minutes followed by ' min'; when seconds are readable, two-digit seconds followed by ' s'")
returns 6 h 33 min
